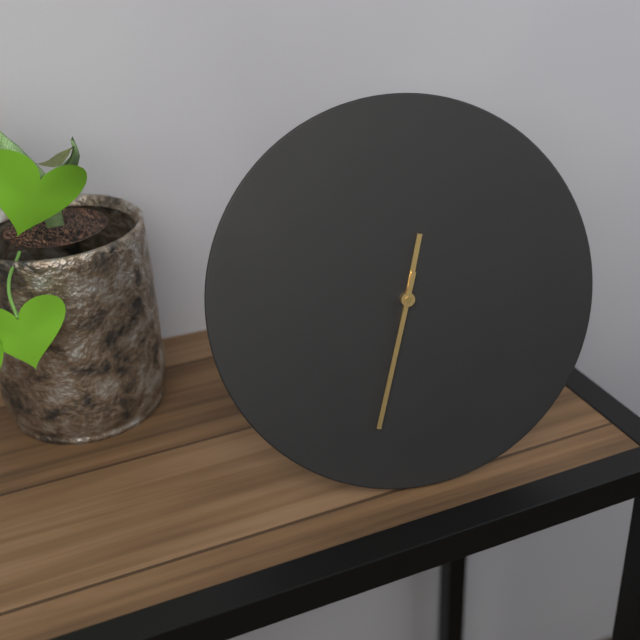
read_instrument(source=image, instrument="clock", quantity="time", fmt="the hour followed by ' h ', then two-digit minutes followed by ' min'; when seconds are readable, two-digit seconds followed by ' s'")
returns 12 h 33 min
